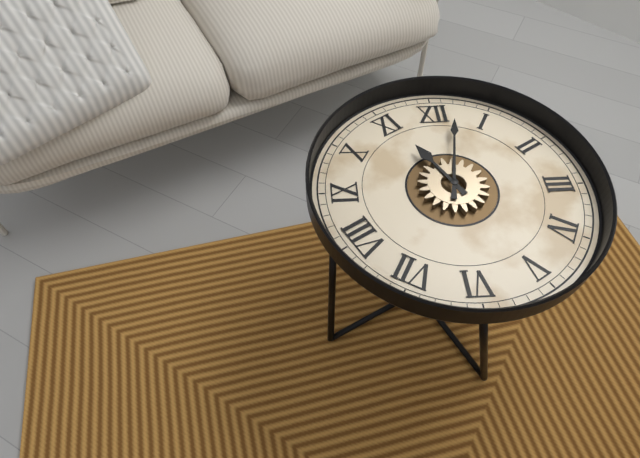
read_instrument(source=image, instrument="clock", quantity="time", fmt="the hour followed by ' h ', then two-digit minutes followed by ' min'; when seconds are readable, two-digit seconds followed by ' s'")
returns 11 h 02 min
